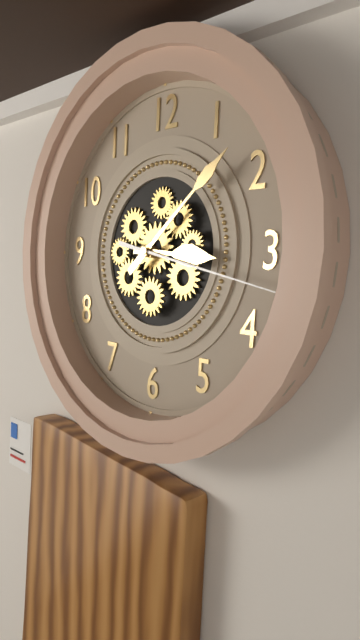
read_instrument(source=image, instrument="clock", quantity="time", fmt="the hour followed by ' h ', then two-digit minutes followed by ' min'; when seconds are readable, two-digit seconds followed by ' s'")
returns 3 h 08 min 17 s
